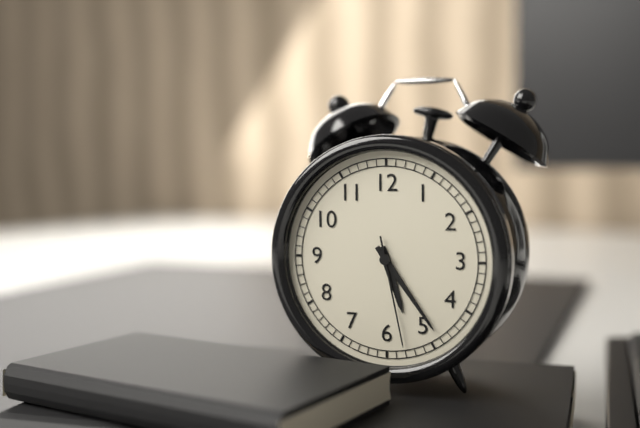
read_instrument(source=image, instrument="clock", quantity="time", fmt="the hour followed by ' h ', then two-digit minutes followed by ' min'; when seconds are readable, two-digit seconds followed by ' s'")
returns 5 h 24 min 28 s
